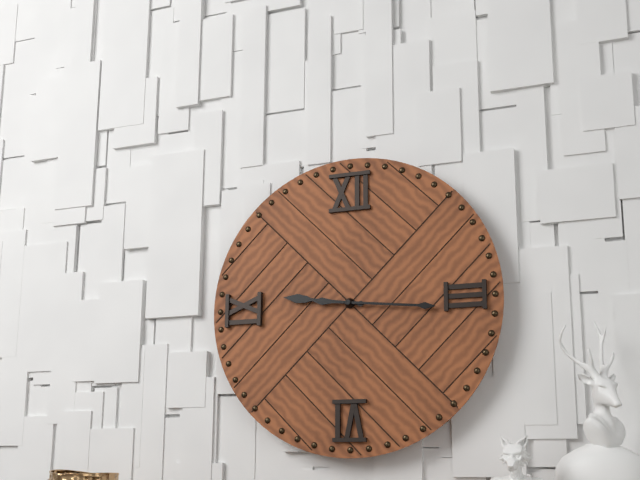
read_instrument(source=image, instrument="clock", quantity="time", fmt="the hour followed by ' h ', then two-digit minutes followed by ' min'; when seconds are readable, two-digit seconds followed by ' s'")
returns 9 h 16 min
